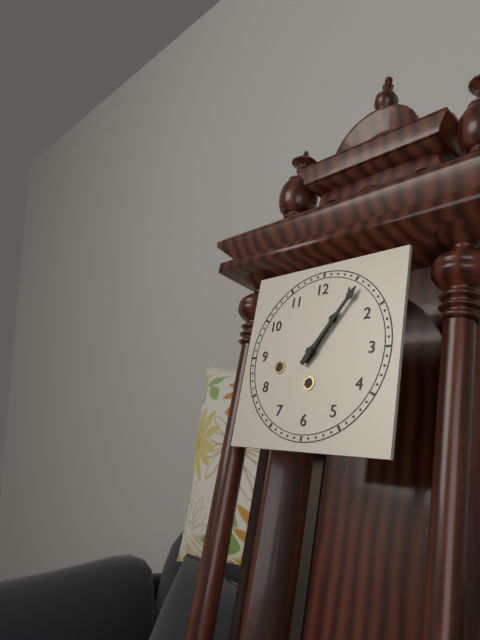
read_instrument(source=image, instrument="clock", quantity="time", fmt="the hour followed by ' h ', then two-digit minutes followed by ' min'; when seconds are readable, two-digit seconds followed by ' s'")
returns 1 h 06 min
